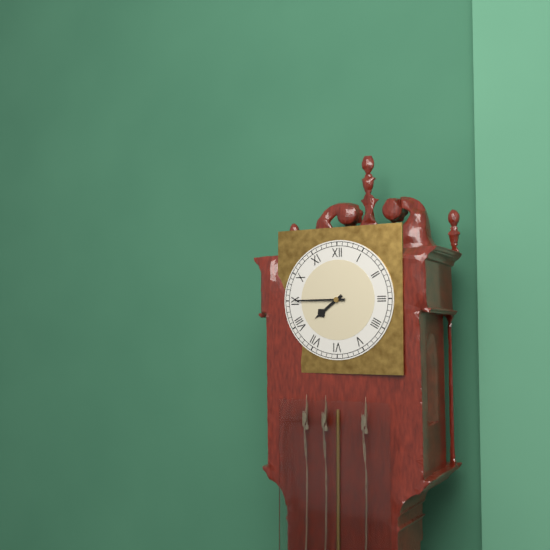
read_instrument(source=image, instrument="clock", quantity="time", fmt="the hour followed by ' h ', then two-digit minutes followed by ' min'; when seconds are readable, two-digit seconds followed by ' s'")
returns 7 h 45 min
